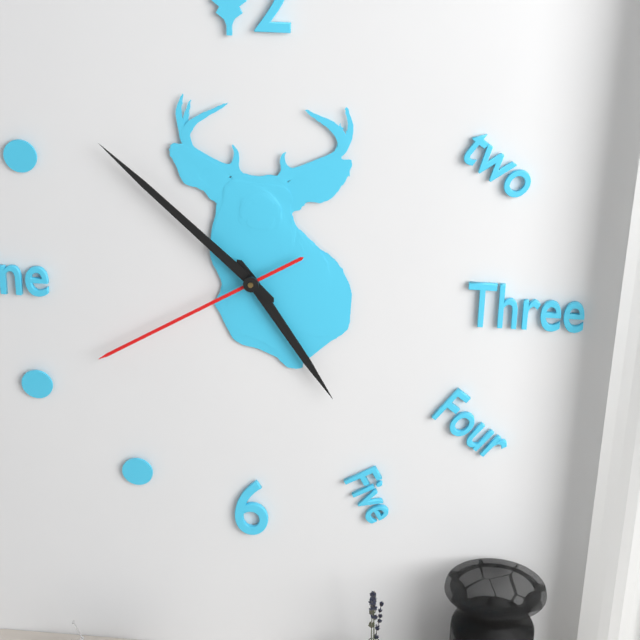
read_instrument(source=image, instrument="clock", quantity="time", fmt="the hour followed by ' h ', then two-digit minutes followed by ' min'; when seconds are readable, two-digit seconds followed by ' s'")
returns 4 h 52 min 40 s
